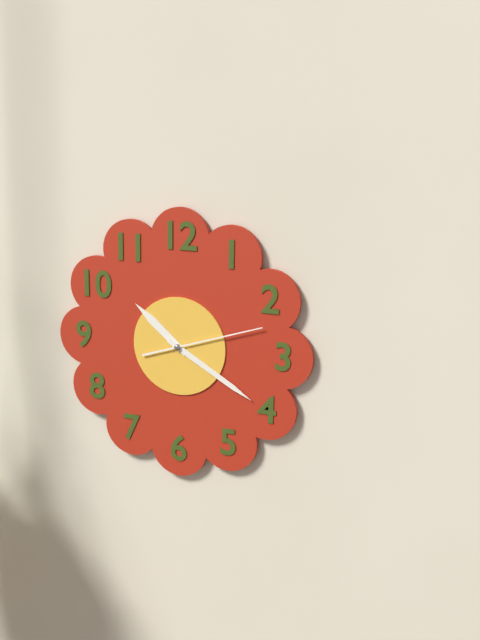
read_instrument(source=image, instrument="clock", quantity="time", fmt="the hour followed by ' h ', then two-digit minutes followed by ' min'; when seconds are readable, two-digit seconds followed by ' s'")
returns 10 h 20 min 12 s
